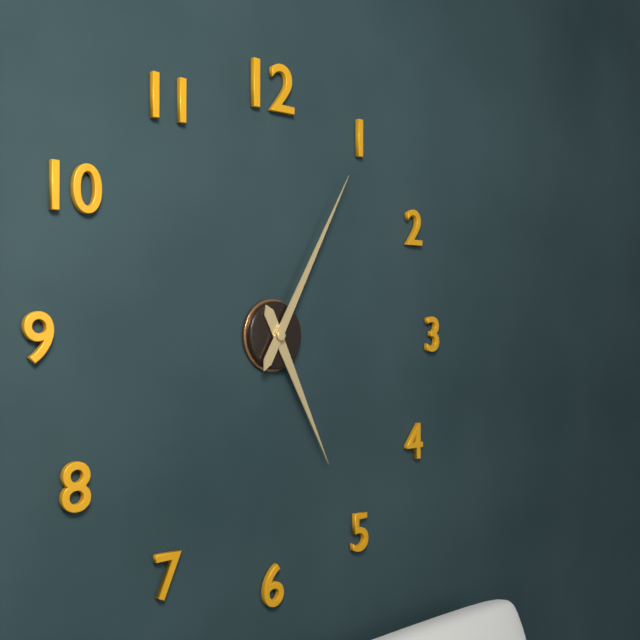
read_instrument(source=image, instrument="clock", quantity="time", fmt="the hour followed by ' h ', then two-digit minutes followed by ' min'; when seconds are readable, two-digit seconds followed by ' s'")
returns 5 h 05 min
